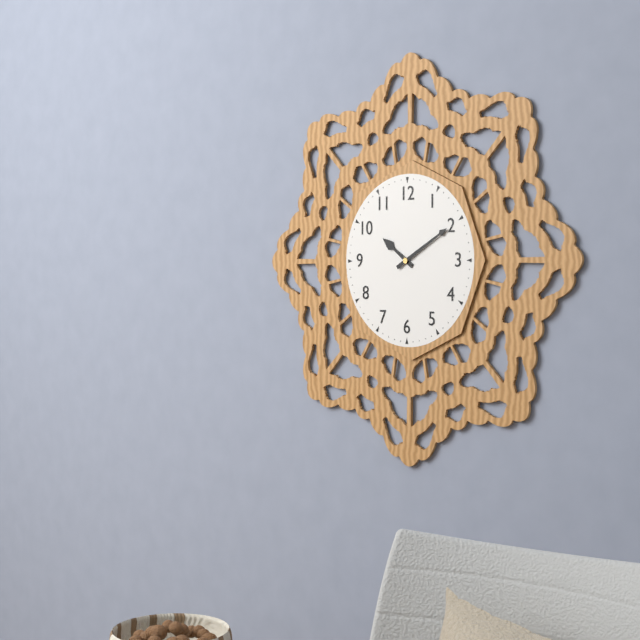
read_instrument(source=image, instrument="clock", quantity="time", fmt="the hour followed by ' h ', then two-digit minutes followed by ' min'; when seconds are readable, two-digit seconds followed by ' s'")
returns 10 h 10 min
